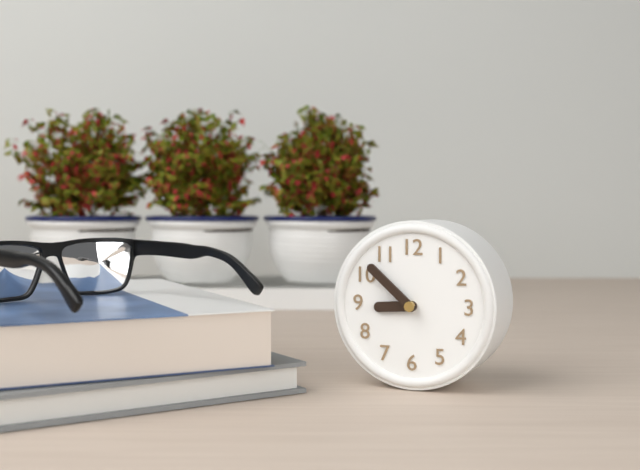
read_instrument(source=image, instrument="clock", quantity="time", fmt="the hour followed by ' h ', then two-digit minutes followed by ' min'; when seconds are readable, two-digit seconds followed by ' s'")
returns 8 h 52 min
